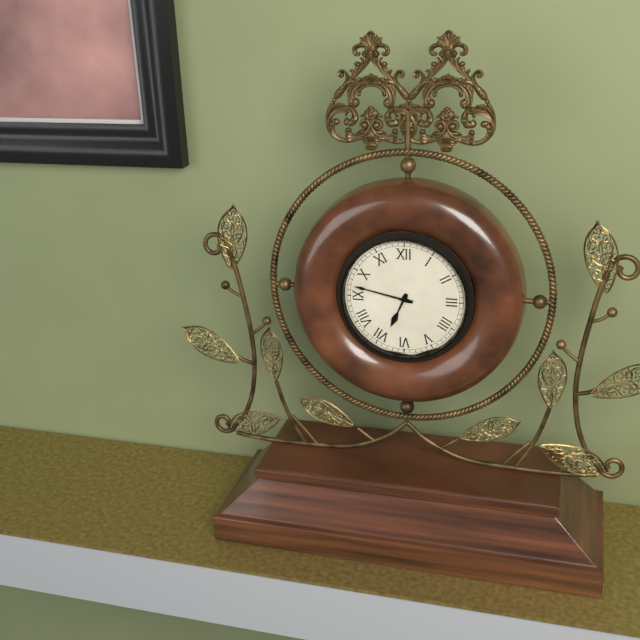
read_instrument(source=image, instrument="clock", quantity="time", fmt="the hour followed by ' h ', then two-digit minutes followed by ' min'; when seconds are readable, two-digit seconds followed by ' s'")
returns 6 h 47 min
